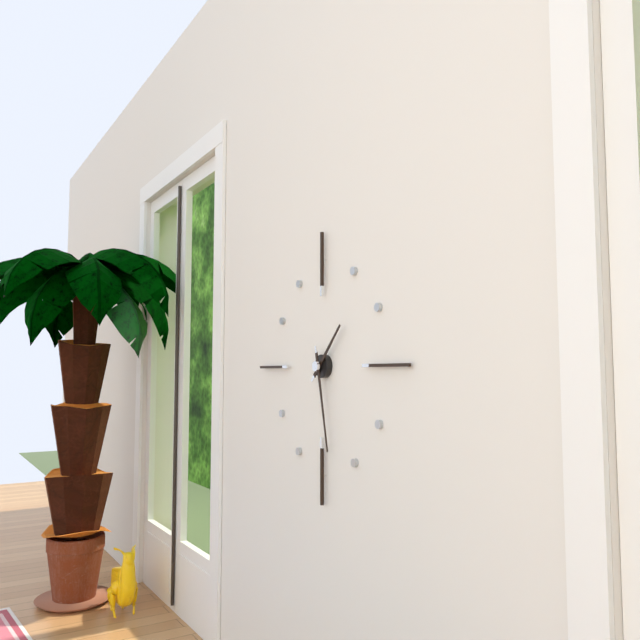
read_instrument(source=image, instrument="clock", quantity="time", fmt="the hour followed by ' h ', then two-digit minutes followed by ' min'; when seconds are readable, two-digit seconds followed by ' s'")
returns 1 h 28 min
